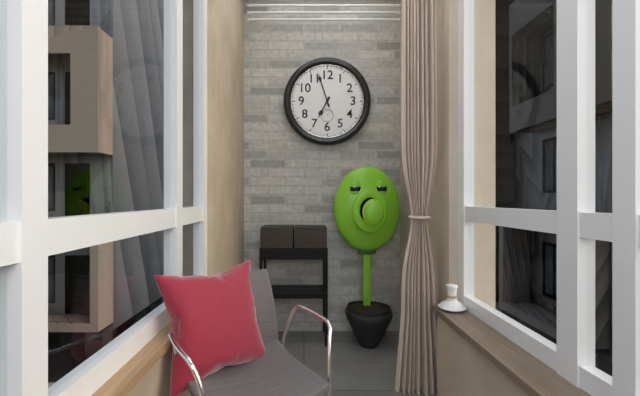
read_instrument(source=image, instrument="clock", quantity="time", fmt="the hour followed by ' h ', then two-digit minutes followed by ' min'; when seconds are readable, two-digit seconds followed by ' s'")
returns 6 h 57 min
